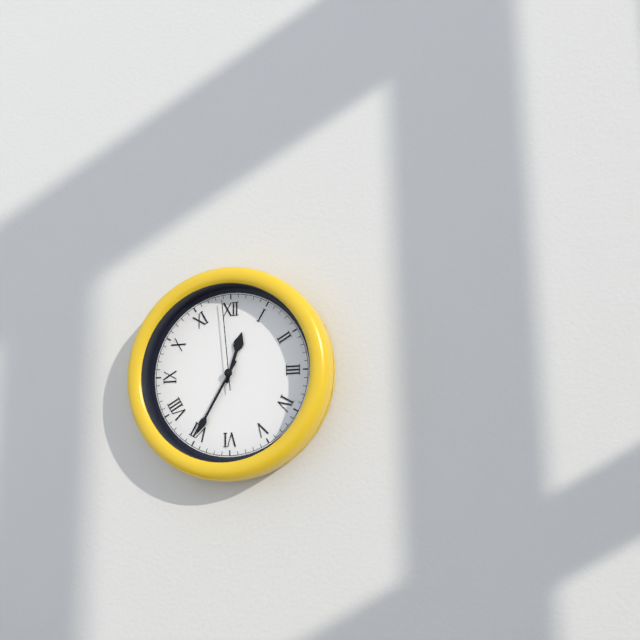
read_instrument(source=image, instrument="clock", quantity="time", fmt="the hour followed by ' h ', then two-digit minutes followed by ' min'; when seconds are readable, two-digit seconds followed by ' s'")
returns 12 h 35 min 59 s
